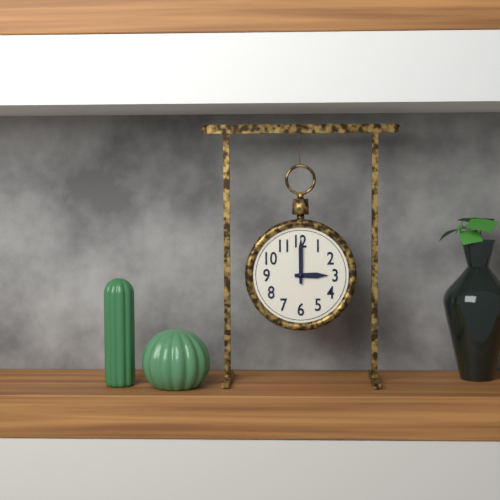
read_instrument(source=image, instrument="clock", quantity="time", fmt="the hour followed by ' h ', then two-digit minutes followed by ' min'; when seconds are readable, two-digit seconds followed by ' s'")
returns 3 h 00 min
